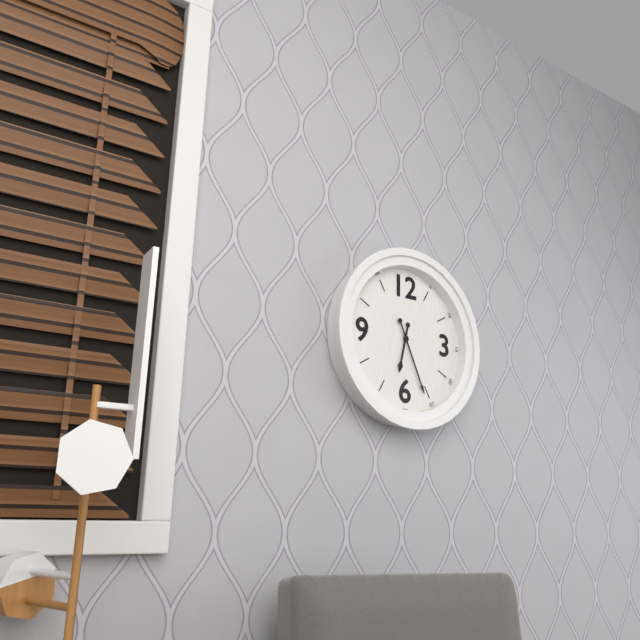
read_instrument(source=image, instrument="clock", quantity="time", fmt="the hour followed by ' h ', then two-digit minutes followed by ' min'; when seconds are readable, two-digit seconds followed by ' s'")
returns 6 h 26 min
